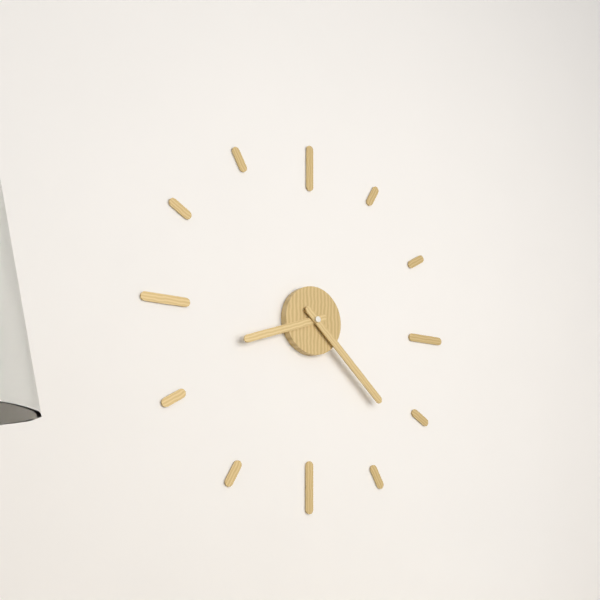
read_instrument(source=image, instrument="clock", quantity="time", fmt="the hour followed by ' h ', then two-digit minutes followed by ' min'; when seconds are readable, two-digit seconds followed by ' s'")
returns 8 h 22 min
